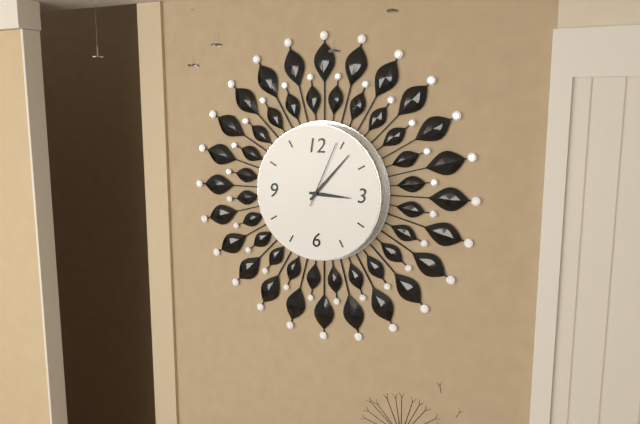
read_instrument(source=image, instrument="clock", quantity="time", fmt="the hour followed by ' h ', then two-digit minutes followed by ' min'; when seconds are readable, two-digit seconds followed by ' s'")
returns 3 h 07 min 04 s
